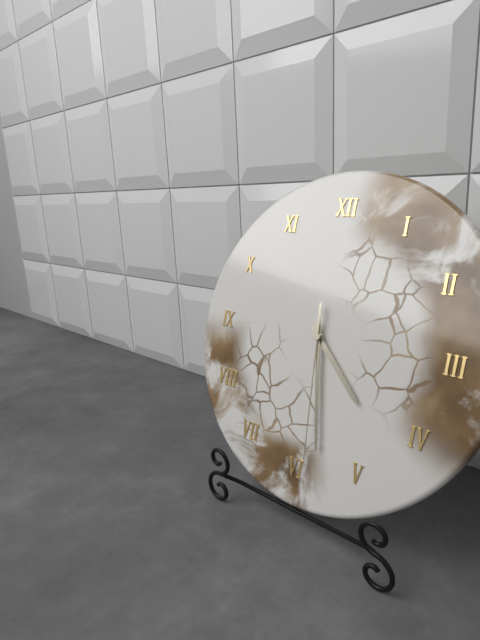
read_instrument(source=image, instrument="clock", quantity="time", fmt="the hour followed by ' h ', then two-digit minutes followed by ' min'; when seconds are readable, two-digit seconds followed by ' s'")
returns 4 h 28 min 29 s
